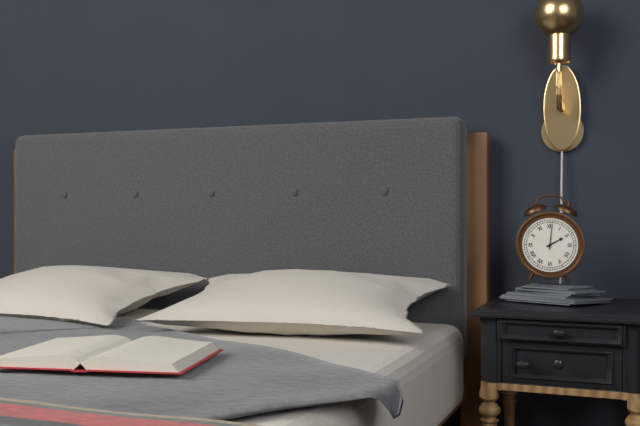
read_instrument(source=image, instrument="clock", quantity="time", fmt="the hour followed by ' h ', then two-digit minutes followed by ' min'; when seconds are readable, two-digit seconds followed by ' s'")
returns 2 h 01 min
